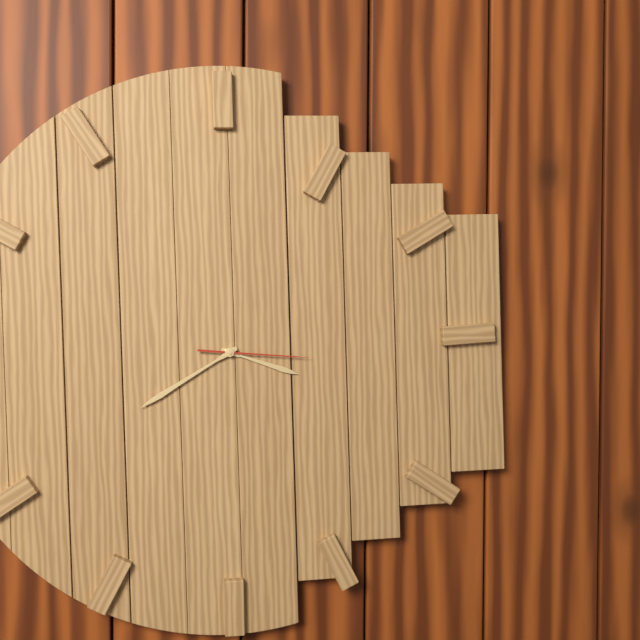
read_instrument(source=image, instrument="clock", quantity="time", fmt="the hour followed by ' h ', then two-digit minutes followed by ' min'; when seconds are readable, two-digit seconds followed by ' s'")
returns 3 h 40 min 16 s
